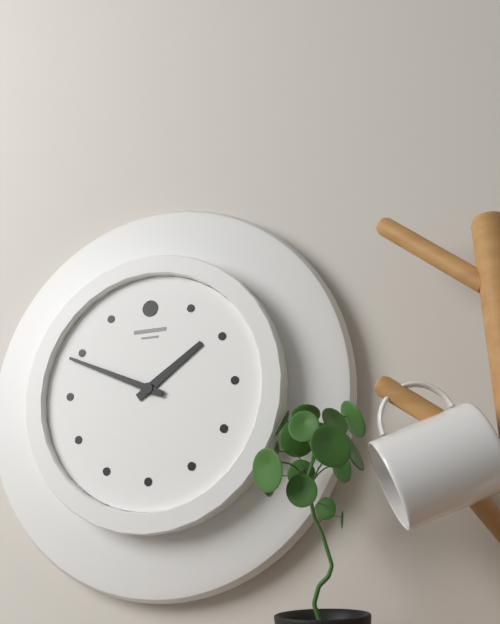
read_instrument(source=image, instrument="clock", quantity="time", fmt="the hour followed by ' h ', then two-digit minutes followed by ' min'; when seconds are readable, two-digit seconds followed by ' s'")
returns 1 h 49 min
